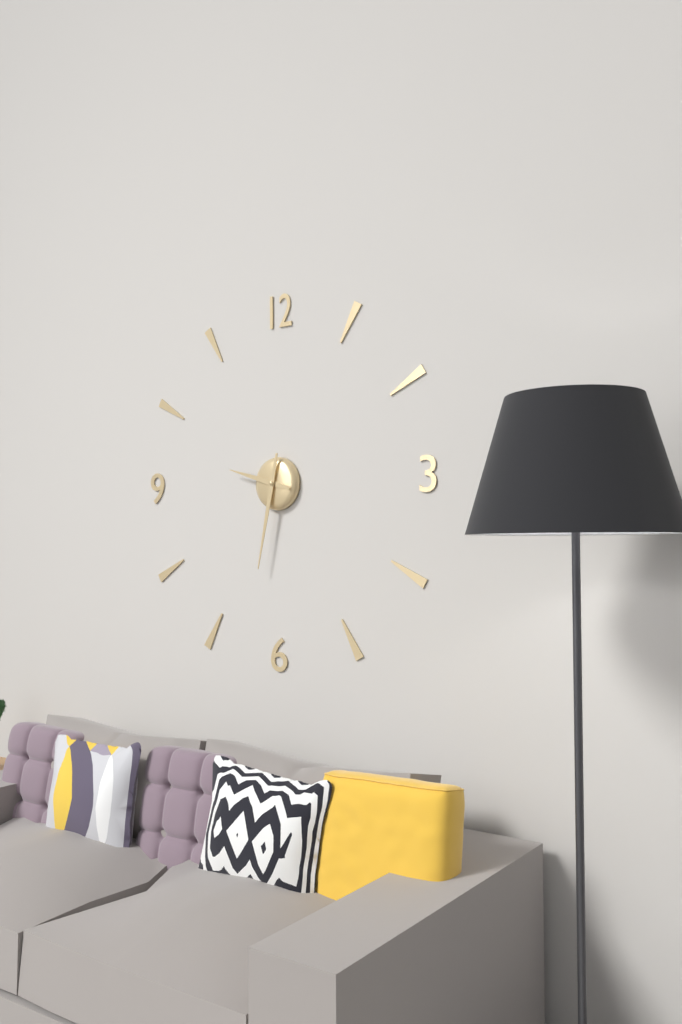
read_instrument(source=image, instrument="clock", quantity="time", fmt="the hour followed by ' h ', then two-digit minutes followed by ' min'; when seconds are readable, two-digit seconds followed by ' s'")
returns 9 h 32 min
